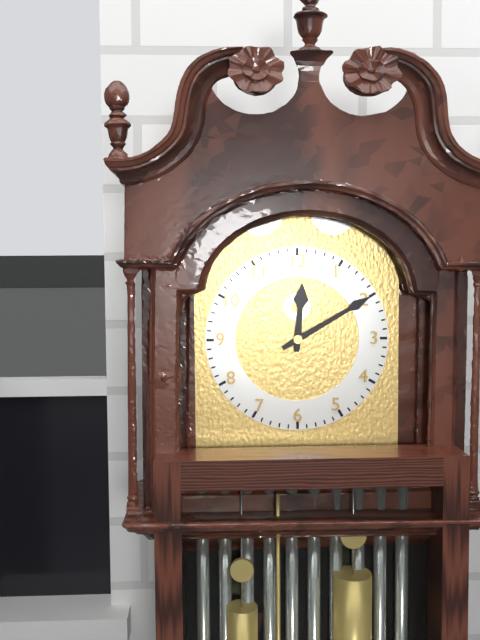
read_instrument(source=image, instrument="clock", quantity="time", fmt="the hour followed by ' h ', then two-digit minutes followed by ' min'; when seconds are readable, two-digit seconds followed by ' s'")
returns 12 h 10 min
